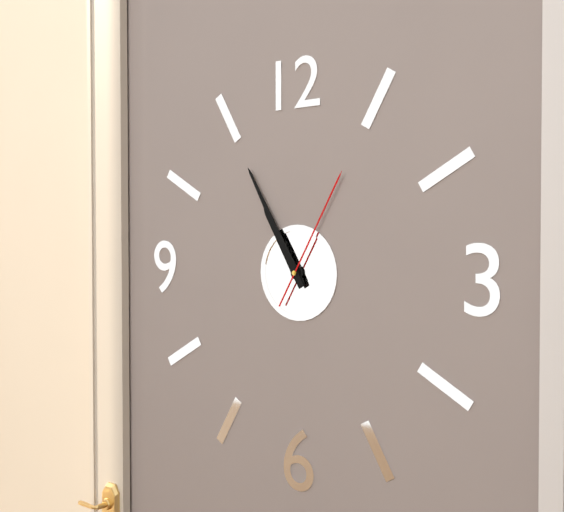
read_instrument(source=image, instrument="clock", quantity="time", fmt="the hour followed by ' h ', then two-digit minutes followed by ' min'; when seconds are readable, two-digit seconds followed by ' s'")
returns 10 h 55 min 05 s
